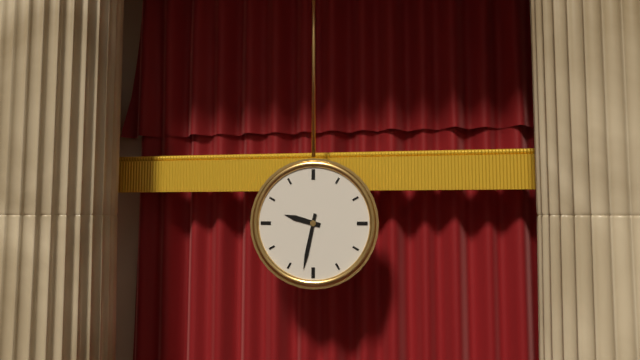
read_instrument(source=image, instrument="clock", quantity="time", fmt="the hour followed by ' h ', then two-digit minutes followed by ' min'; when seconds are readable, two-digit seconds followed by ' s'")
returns 9 h 32 min
